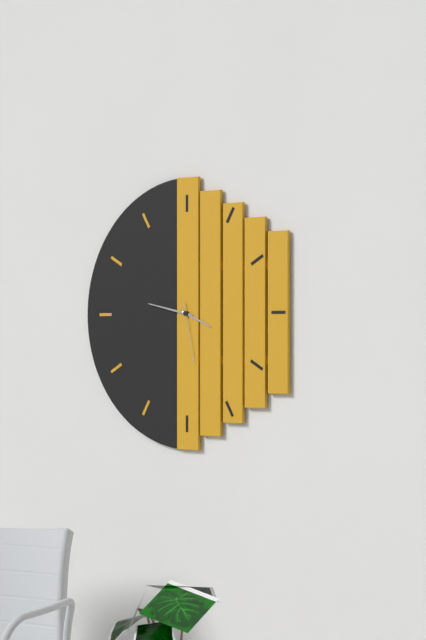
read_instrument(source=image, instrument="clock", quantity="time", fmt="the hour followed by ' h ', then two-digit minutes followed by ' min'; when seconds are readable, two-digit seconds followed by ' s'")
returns 3 h 47 min 28 s
